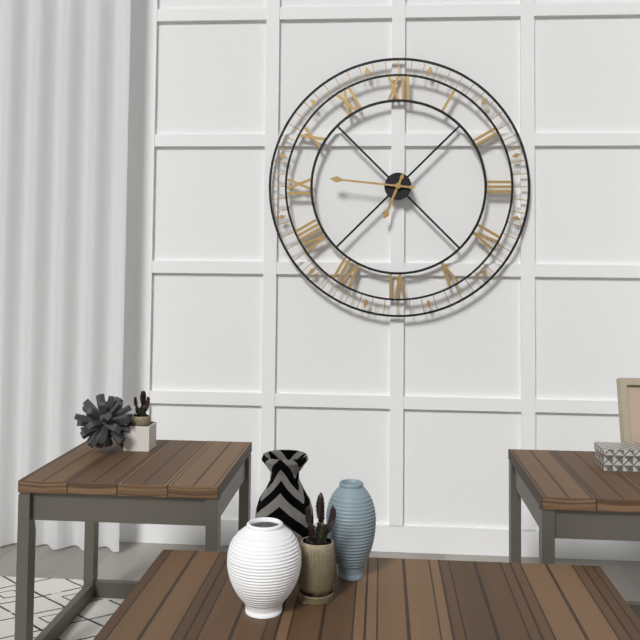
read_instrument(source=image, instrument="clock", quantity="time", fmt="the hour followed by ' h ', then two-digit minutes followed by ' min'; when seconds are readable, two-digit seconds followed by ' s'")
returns 6 h 46 min
